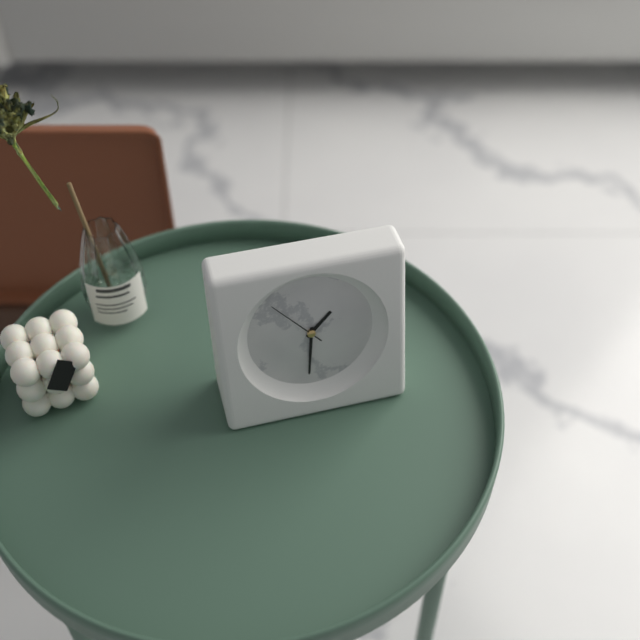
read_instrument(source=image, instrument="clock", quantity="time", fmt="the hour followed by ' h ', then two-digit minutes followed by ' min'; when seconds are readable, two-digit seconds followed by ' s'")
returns 1 h 31 min 53 s
